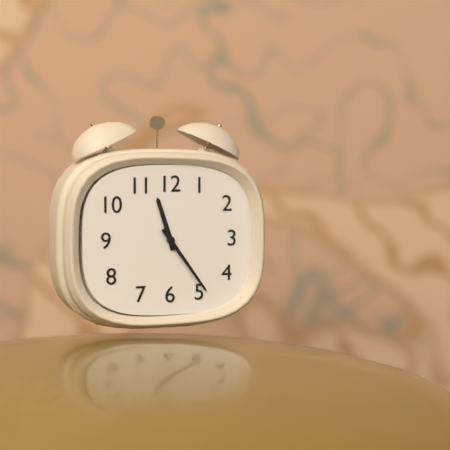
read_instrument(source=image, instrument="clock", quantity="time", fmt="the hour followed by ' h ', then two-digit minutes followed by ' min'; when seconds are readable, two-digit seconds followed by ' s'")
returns 11 h 24 min
